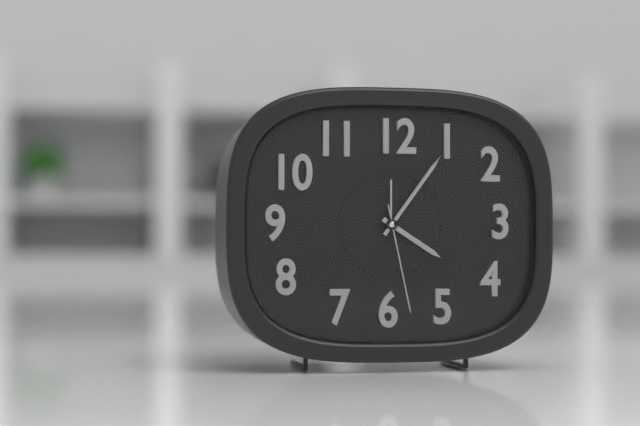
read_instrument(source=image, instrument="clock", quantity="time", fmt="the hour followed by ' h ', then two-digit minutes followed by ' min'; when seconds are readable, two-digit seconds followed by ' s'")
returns 4 h 06 min 28 s
